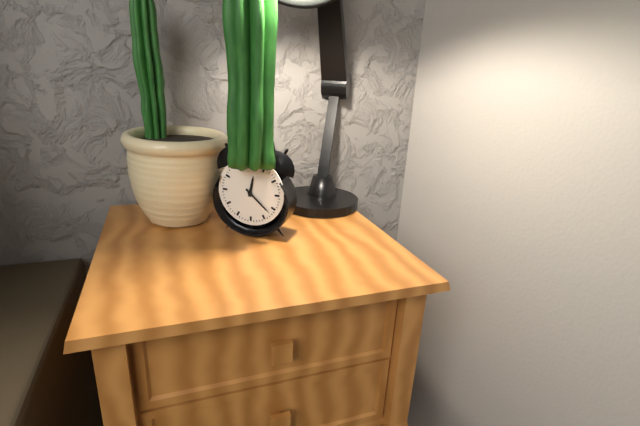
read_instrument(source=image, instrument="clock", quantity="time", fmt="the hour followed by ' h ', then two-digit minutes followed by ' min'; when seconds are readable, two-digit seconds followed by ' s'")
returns 12 h 22 min
